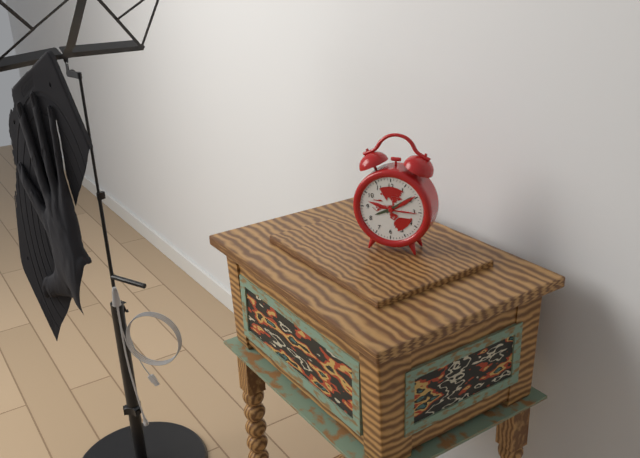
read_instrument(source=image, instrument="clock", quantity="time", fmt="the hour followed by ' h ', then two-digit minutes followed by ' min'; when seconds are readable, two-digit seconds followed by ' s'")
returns 8 h 09 min
